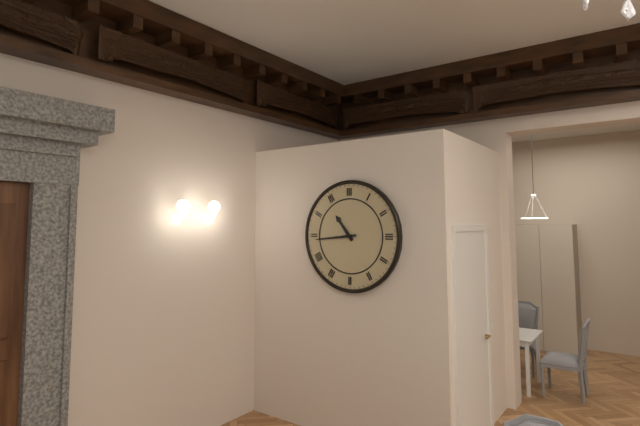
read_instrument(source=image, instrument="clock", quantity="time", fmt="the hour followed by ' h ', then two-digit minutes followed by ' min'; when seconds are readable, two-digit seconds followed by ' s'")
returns 10 h 44 min
